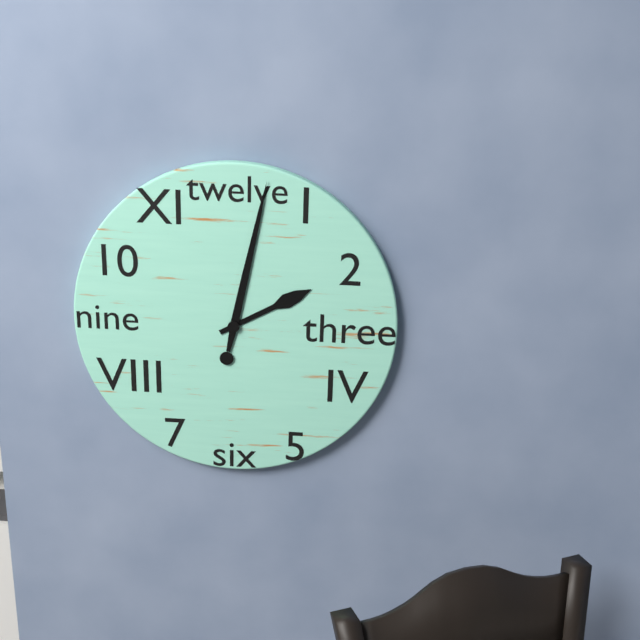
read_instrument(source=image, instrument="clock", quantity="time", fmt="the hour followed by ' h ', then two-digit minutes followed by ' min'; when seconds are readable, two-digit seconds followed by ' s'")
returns 2 h 02 min
